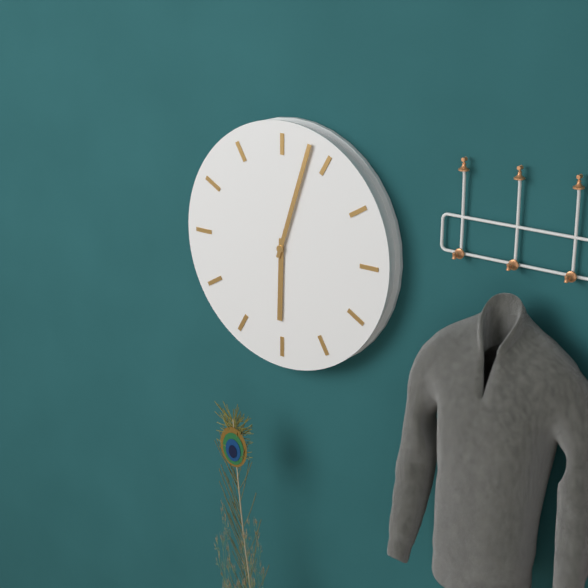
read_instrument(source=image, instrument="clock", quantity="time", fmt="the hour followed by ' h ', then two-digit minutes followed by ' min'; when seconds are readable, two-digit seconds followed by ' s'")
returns 6 h 03 min
